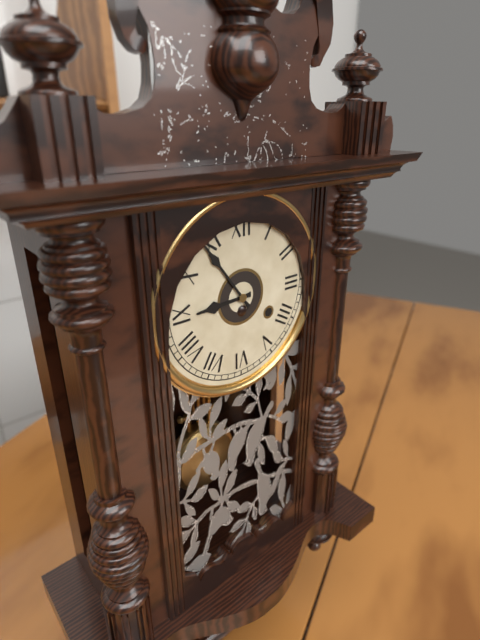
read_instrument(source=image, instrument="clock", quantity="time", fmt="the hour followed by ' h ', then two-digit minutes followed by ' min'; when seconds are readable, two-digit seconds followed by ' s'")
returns 8 h 54 min
